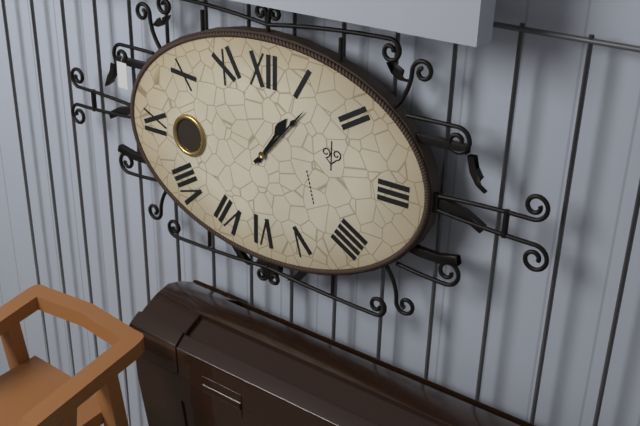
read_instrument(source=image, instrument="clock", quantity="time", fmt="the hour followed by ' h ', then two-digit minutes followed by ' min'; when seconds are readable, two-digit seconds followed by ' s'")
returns 1 h 07 min
